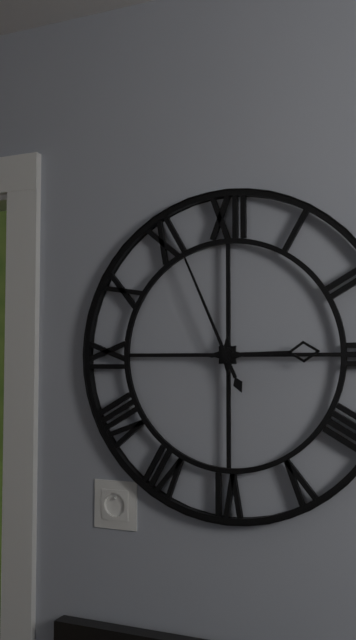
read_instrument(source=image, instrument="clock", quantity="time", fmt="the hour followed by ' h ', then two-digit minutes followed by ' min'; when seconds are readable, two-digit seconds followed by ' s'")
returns 2 h 56 min
